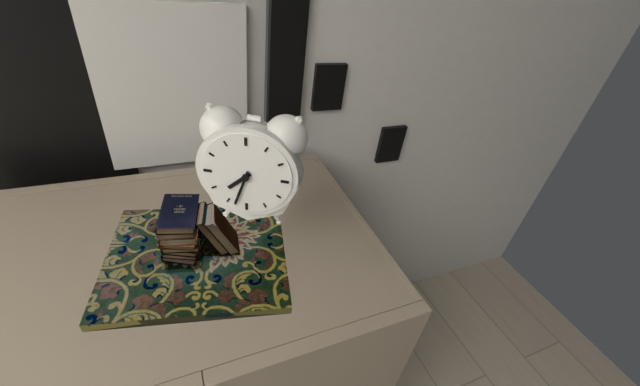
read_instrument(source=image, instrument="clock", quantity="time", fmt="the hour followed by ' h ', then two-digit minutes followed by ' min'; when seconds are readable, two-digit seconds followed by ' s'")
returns 7 h 33 min
